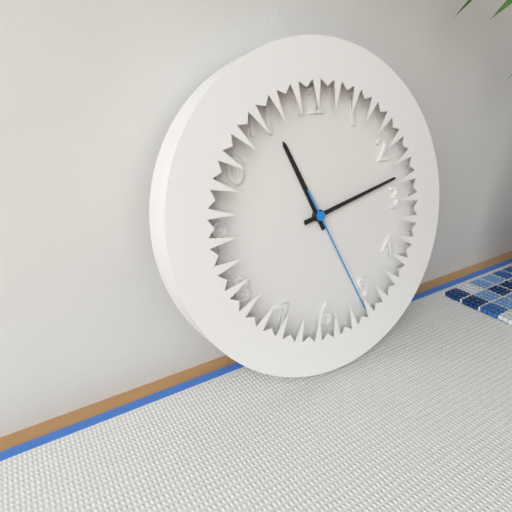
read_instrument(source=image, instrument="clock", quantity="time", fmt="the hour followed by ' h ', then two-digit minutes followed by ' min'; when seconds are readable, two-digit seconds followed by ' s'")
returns 11 h 13 min 26 s
